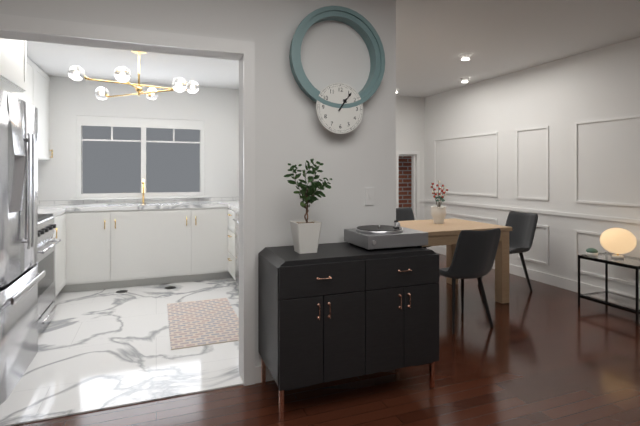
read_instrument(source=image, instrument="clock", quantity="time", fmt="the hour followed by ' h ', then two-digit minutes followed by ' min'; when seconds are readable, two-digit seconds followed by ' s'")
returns 1 h 06 min
